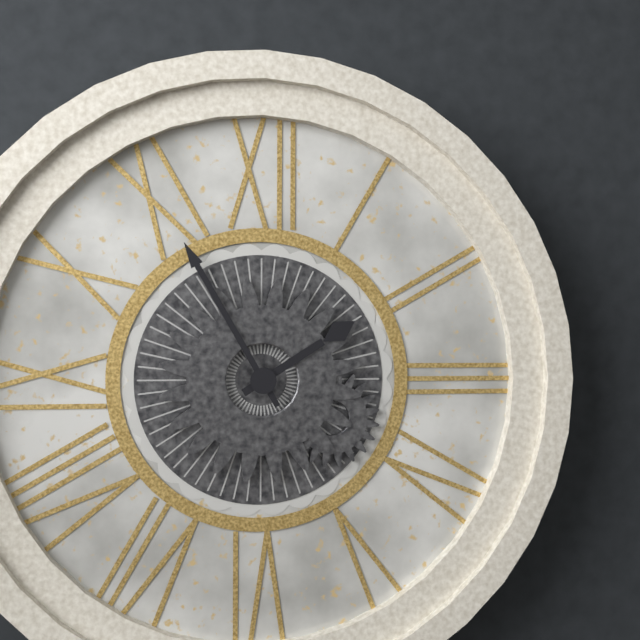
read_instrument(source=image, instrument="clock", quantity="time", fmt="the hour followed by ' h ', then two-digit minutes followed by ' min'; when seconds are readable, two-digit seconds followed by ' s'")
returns 1 h 55 min
